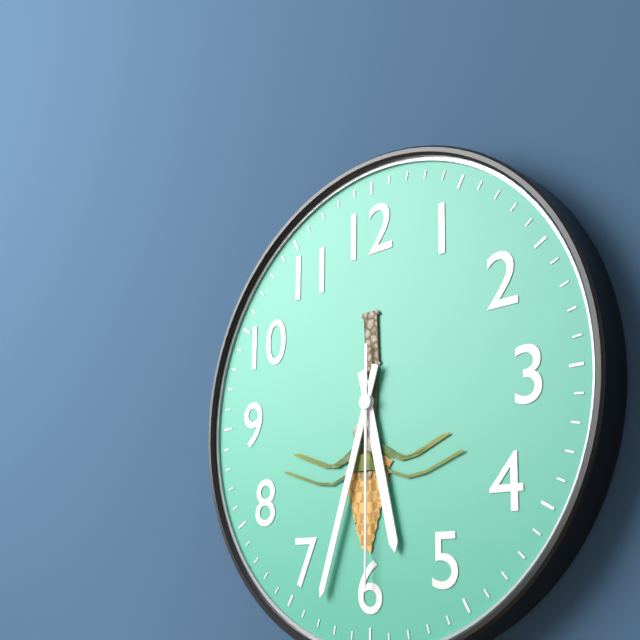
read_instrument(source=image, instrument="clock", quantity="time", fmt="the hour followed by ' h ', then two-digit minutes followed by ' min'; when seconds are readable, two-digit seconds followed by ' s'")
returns 5 h 33 min 30 s
